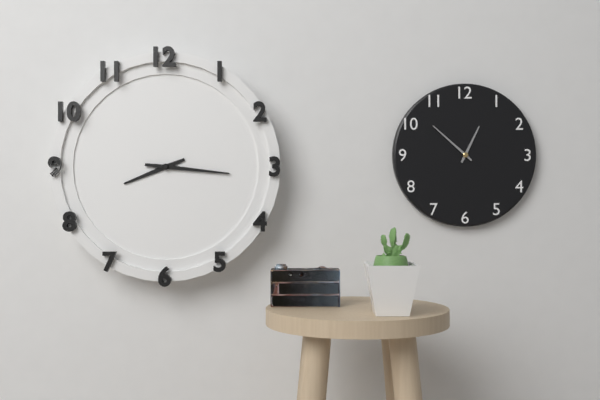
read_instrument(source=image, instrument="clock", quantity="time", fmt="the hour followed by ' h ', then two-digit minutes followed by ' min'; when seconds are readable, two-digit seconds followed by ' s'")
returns 8 h 16 min
